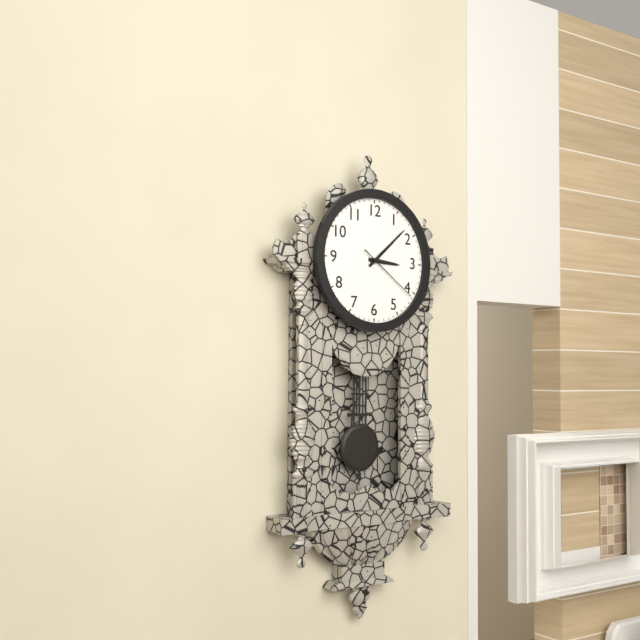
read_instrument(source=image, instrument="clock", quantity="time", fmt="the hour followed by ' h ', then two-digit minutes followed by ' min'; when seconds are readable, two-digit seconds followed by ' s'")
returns 3 h 08 min 21 s
